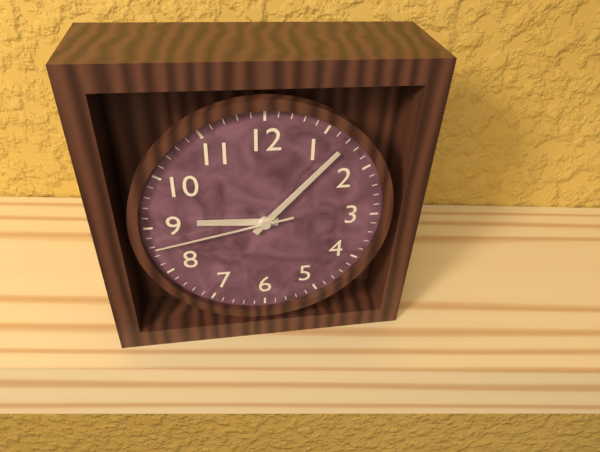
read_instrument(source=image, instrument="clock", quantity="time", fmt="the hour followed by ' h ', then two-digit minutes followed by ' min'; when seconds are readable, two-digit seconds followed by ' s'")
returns 9 h 07 min 43 s
